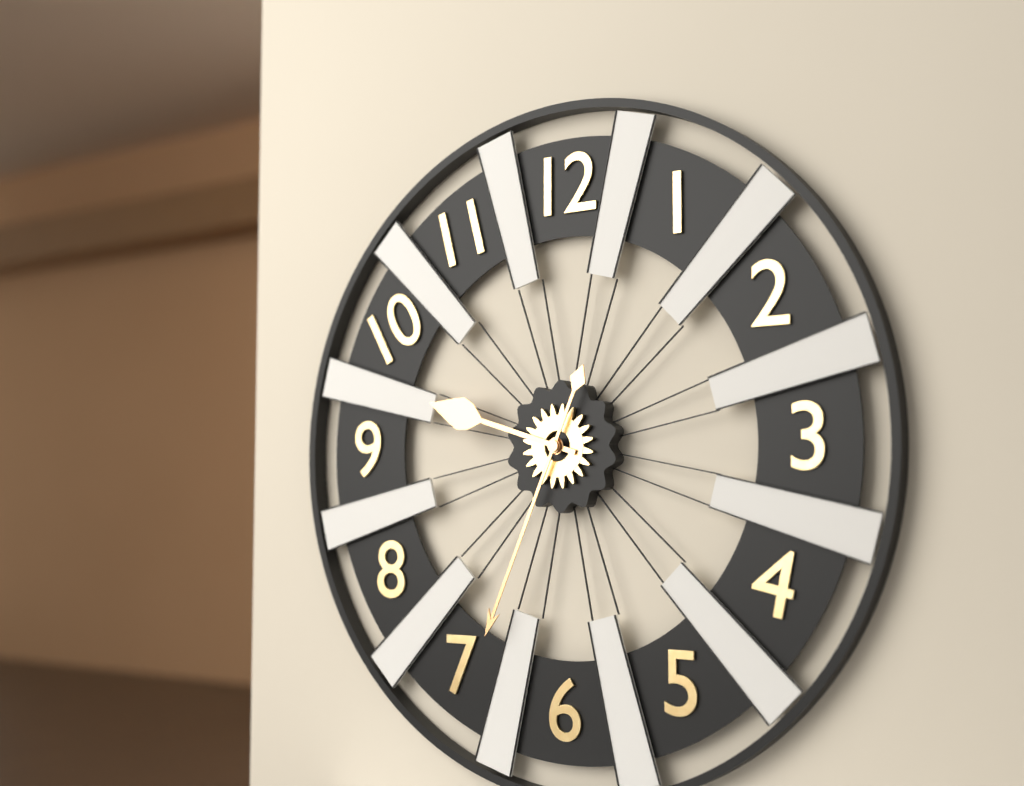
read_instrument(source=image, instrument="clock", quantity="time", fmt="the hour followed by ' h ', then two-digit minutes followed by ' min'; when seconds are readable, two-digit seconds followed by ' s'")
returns 9 h 34 min
